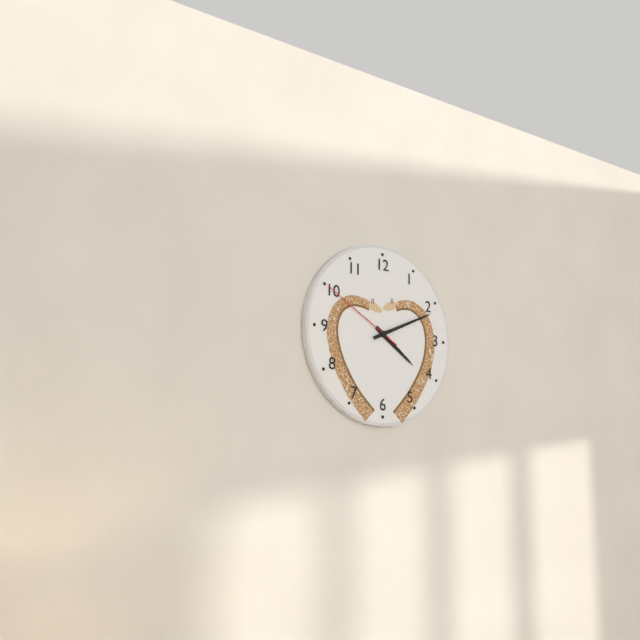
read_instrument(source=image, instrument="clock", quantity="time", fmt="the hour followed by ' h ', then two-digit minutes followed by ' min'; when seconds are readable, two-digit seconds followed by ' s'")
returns 4 h 11 min 50 s
